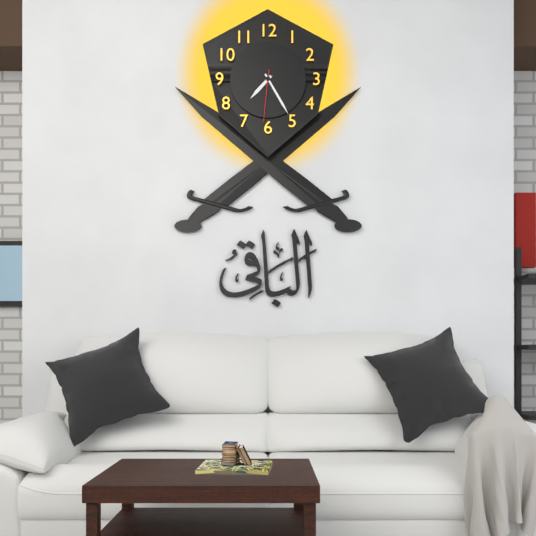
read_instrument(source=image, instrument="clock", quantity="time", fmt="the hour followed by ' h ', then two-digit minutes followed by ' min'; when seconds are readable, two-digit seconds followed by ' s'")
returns 7 h 25 min 31 s
